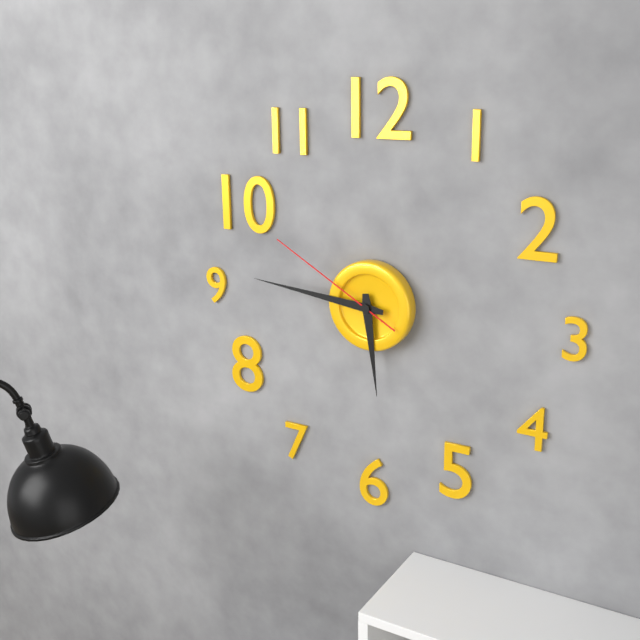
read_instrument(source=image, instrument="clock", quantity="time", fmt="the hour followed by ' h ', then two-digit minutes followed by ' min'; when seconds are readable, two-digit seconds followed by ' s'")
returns 5 h 46 min 50 s
